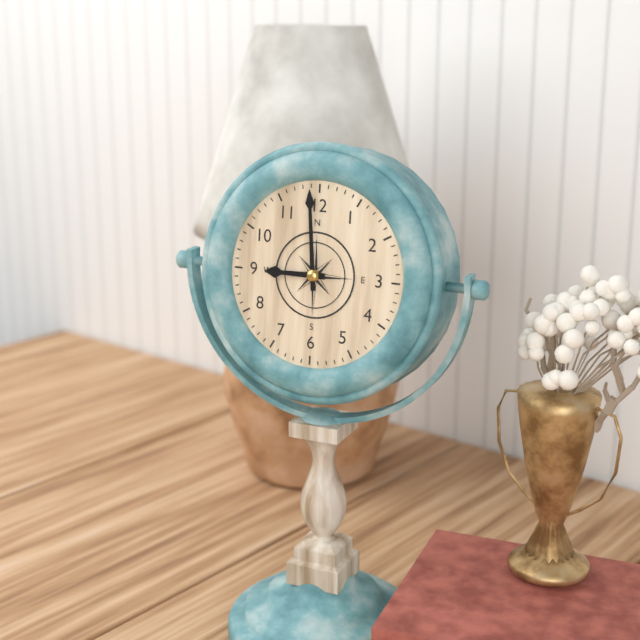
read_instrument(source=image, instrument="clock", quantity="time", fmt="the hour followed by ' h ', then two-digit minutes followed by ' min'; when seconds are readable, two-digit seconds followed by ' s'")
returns 8 h 59 min
